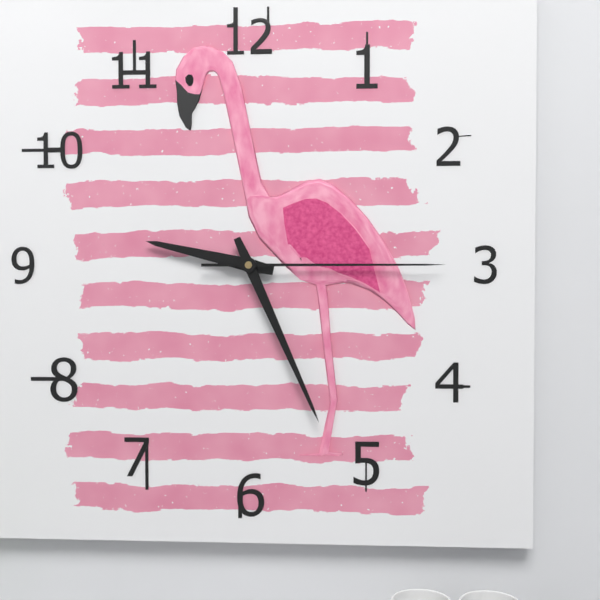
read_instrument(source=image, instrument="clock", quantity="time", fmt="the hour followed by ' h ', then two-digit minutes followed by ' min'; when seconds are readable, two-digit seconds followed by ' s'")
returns 9 h 26 min 15 s
